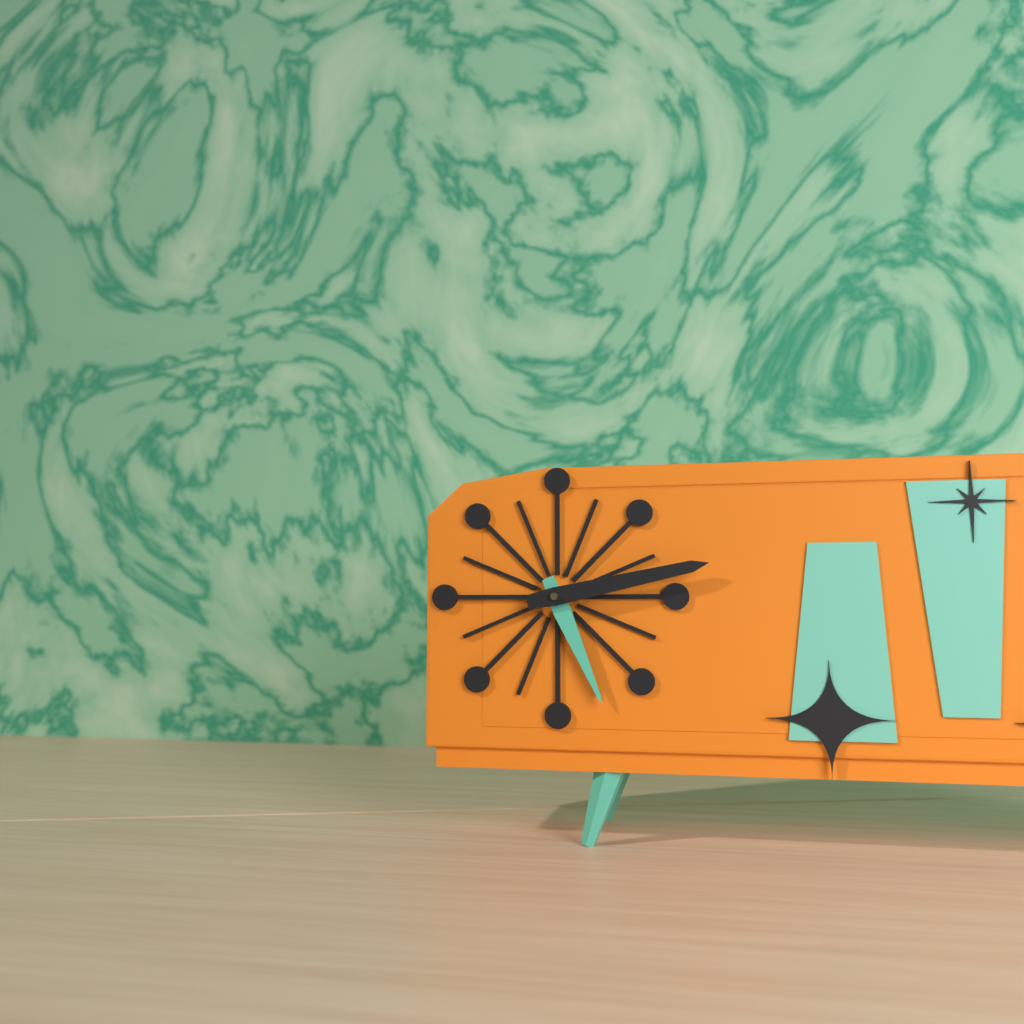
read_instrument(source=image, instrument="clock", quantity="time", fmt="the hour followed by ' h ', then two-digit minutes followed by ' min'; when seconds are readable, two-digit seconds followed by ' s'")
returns 5 h 13 min
